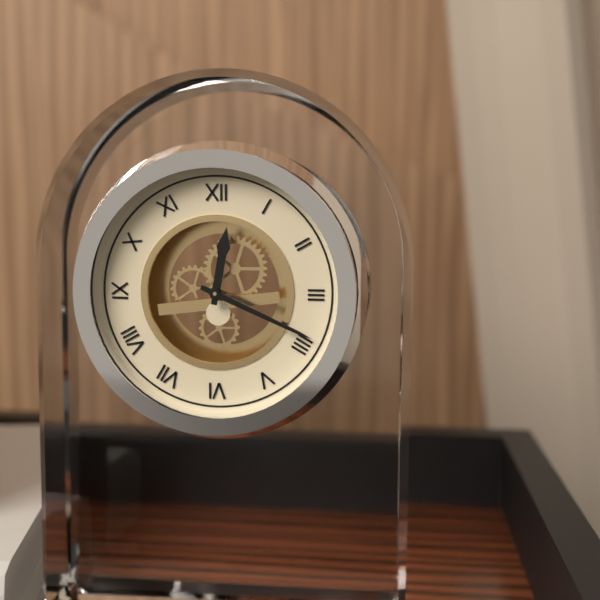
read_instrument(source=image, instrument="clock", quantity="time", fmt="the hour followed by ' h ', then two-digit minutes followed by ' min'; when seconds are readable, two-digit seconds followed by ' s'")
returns 12 h 19 min
